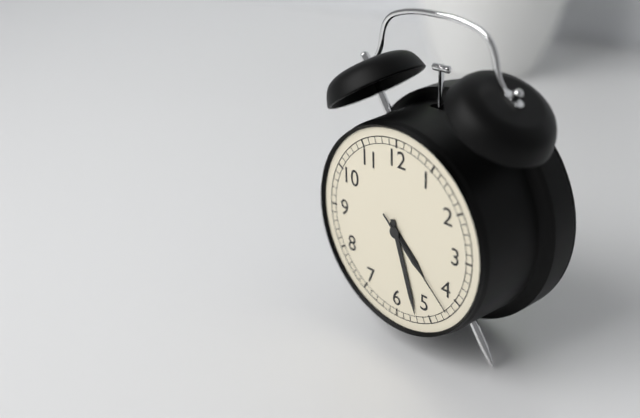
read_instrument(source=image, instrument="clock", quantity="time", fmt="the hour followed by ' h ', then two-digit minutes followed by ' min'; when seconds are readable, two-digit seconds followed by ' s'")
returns 4 h 27 min 22 s
